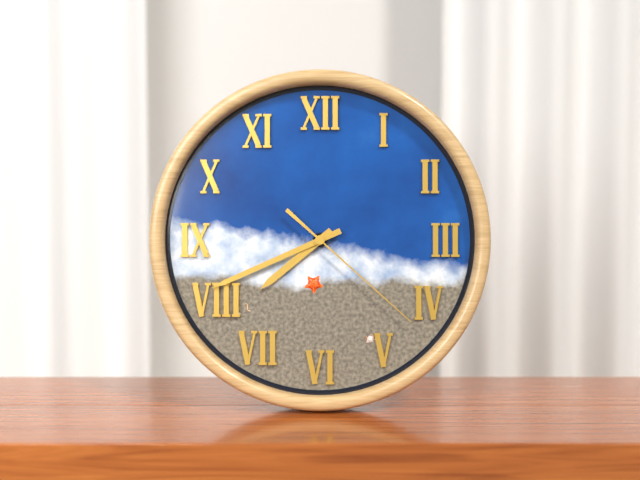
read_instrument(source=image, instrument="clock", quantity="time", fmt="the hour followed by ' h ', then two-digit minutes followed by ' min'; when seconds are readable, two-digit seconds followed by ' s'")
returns 7 h 41 min 22 s
